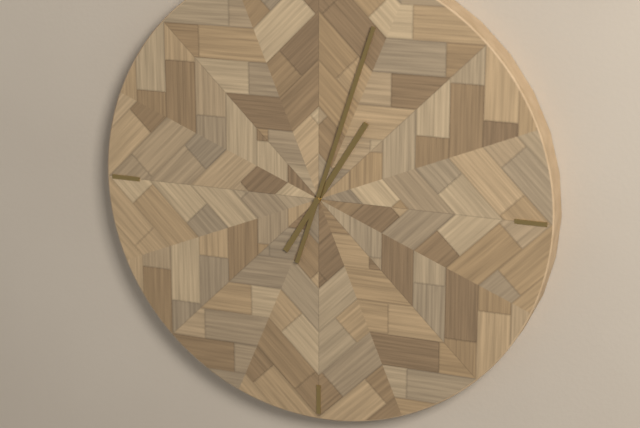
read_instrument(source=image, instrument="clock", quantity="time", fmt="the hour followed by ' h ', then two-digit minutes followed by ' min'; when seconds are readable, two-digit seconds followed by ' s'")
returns 1 h 03 min
